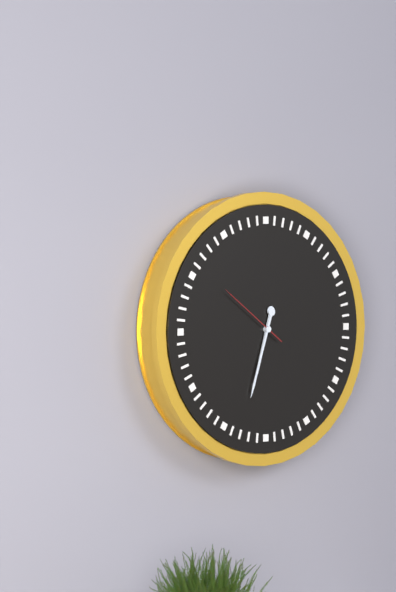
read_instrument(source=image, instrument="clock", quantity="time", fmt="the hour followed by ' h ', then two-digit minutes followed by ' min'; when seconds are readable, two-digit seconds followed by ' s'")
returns 6 h 33 min 51 s
